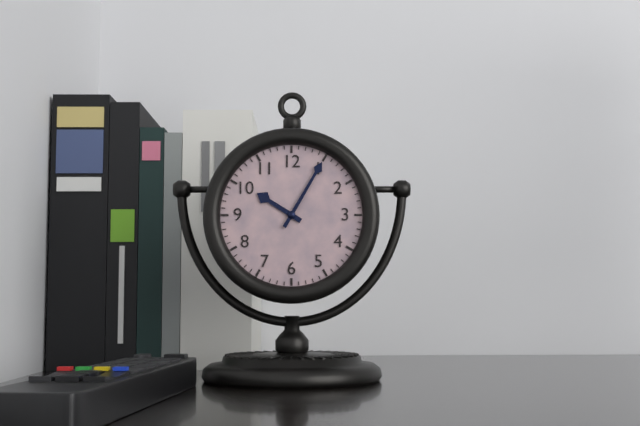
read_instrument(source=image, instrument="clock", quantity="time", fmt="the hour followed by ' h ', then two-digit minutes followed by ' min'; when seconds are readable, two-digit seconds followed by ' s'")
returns 10 h 05 min
